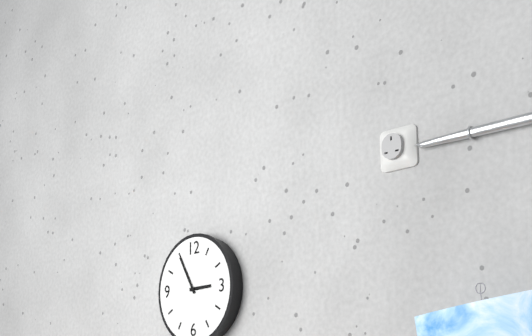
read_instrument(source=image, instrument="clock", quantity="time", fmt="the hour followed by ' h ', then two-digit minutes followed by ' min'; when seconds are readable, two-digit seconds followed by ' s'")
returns 2 h 55 min
